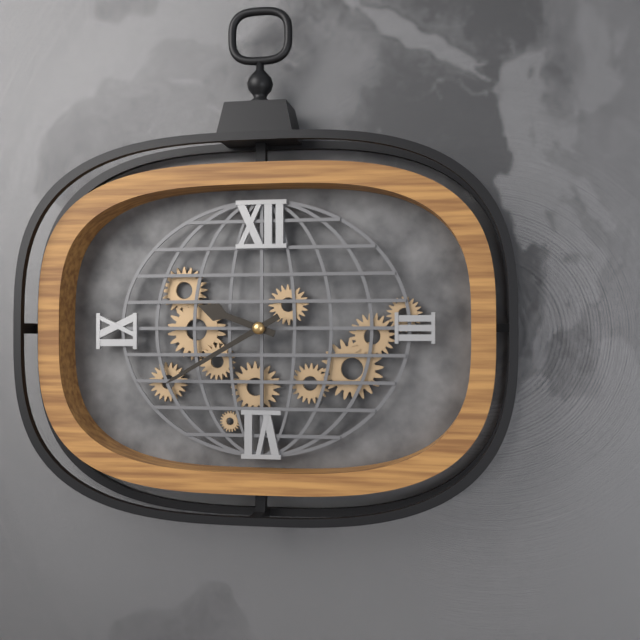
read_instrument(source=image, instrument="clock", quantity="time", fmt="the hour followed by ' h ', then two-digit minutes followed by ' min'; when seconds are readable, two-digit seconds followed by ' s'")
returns 9 h 40 min
